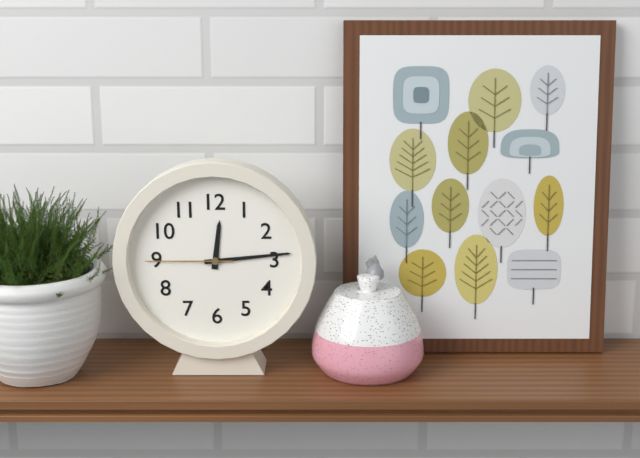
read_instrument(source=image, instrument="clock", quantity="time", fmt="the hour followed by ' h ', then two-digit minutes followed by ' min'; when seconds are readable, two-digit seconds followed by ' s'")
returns 12 h 14 min 45 s
